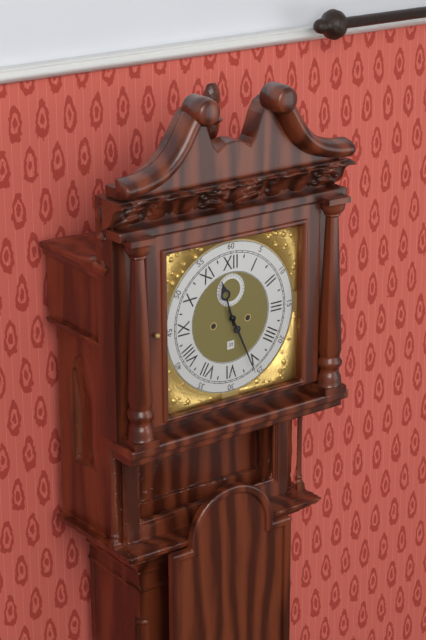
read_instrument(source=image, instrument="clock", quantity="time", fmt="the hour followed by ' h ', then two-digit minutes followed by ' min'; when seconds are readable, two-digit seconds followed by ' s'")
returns 11 h 26 min
